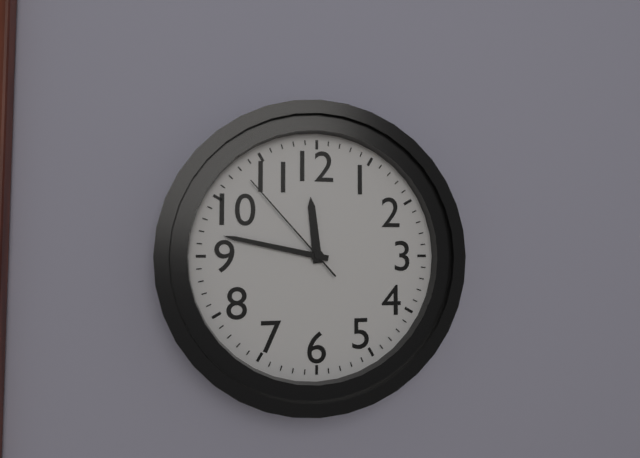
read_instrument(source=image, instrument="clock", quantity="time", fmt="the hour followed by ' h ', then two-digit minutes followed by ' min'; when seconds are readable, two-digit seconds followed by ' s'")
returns 11 h 47 min 53 s
